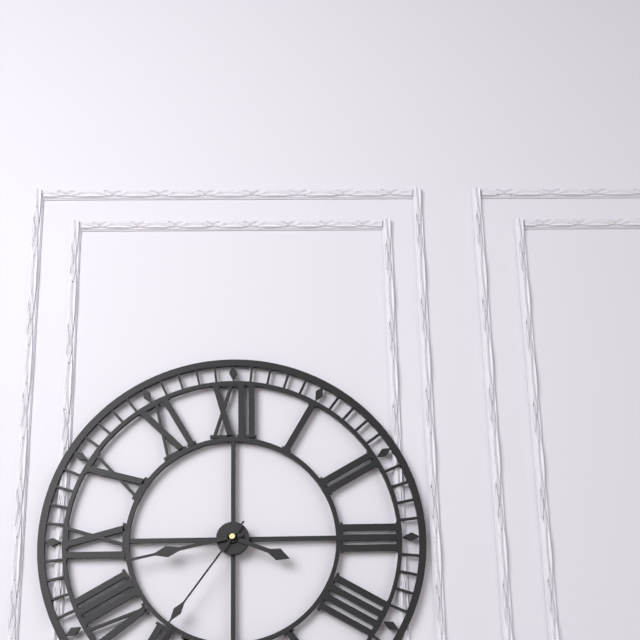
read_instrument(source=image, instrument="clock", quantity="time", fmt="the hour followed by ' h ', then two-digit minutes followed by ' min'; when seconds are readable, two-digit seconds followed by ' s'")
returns 3 h 43 min
